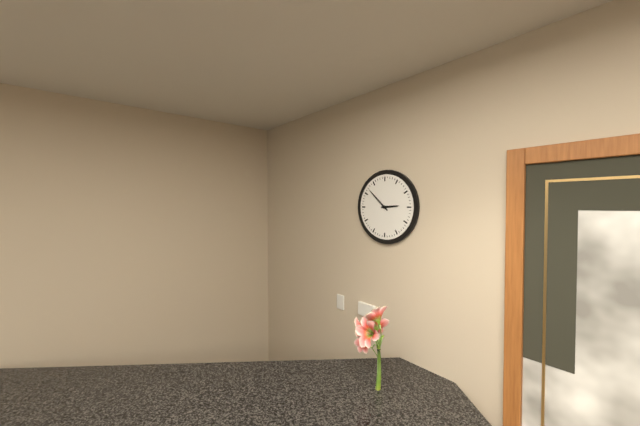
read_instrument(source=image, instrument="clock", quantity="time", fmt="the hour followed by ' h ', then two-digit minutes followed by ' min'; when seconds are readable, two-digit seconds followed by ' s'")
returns 2 h 52 min
